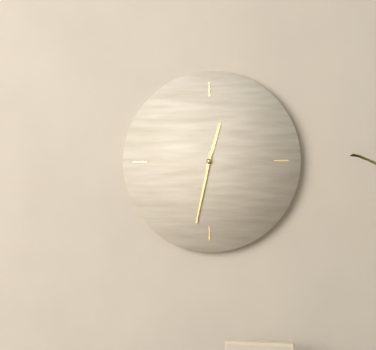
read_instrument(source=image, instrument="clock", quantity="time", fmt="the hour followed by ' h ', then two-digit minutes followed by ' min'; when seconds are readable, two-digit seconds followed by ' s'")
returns 12 h 32 min
